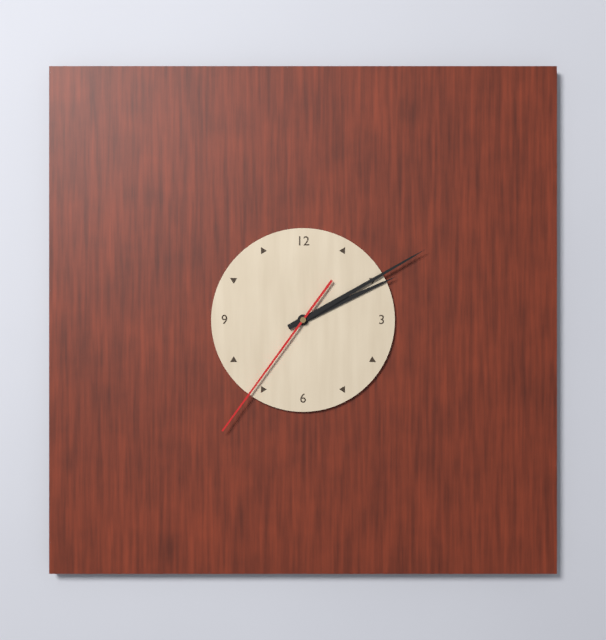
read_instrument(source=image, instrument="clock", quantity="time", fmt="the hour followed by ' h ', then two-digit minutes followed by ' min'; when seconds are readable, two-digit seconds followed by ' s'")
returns 2 h 10 min 36 s
